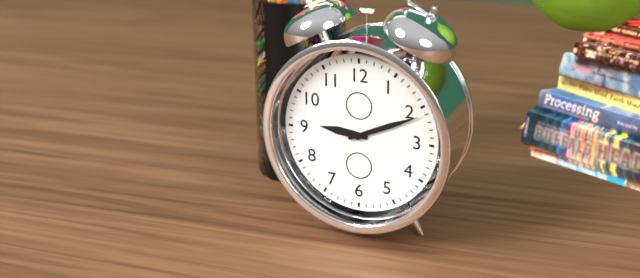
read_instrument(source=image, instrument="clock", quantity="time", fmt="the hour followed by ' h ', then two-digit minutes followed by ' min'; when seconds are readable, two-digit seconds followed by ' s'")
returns 9 h 11 min
